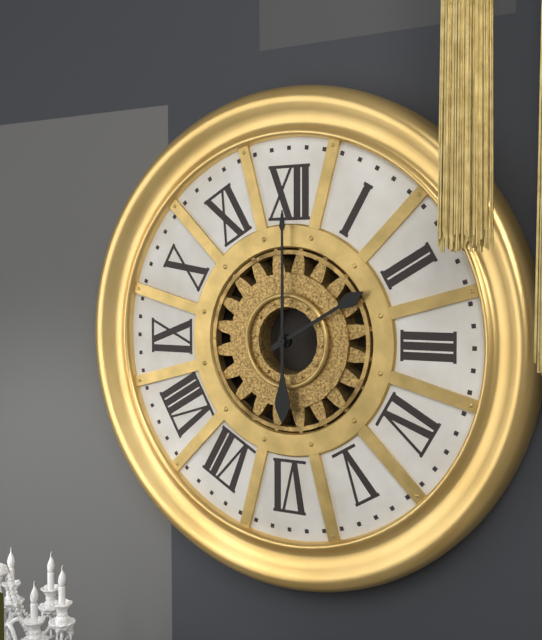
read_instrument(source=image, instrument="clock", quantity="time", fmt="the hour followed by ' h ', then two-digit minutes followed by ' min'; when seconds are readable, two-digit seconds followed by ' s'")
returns 2 h 00 min
